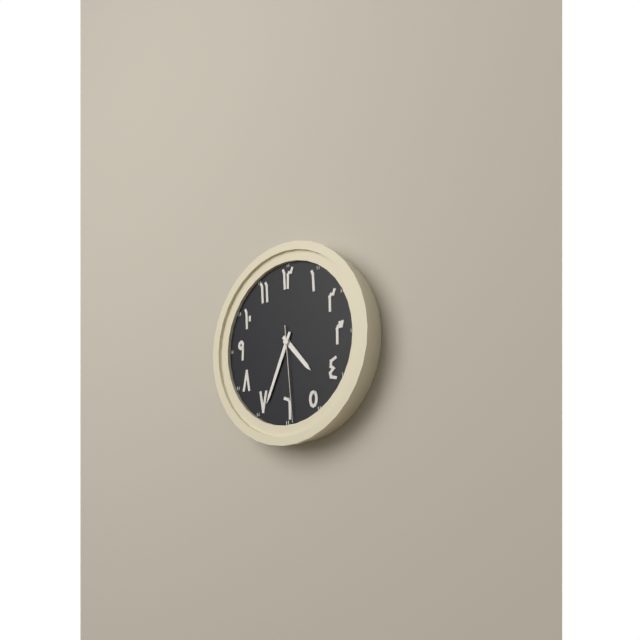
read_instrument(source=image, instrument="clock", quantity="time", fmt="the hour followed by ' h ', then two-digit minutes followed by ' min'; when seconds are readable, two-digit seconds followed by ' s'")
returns 4 h 34 min 29 s
